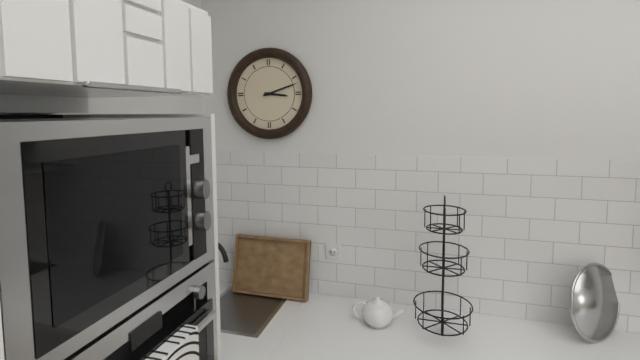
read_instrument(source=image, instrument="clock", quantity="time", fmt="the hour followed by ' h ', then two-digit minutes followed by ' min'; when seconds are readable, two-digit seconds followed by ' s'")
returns 3 h 12 min
